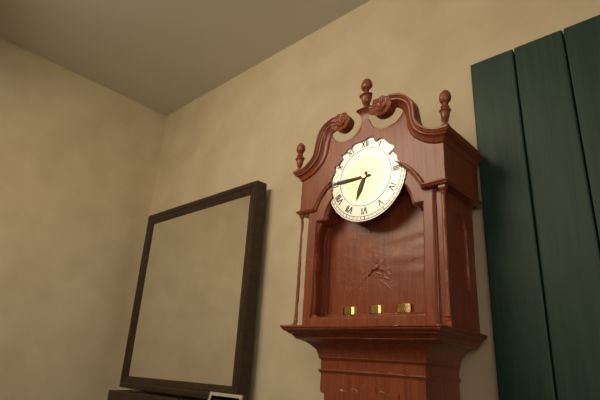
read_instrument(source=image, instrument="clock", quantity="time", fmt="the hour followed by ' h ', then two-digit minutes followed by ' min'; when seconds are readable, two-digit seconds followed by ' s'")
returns 6 h 45 min
